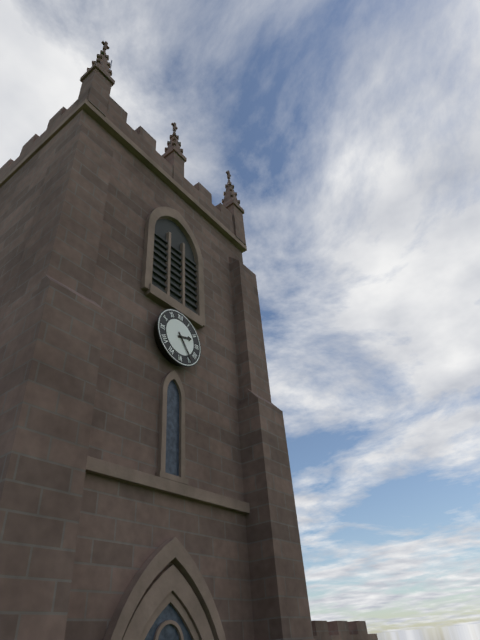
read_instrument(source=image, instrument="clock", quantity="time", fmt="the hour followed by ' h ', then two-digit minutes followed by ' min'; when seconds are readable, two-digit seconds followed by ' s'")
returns 2 h 24 min
